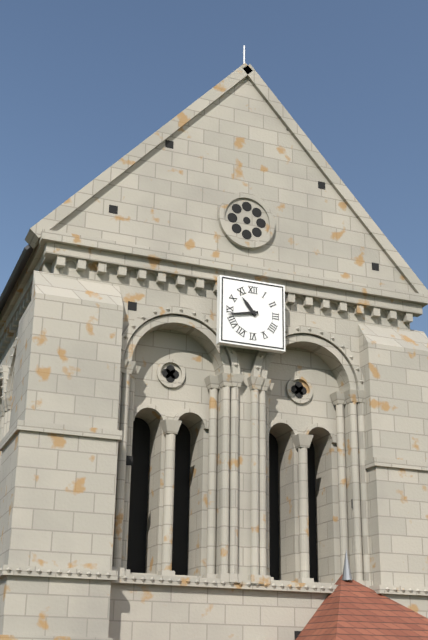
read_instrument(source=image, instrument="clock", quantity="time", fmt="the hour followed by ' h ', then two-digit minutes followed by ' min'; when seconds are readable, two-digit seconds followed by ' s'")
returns 10 h 43 min
